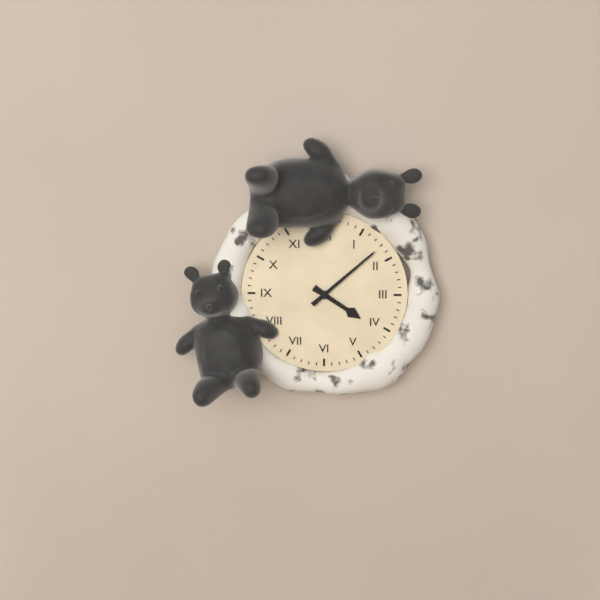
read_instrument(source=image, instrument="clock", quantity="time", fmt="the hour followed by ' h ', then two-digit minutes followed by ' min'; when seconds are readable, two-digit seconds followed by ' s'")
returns 4 h 08 min
